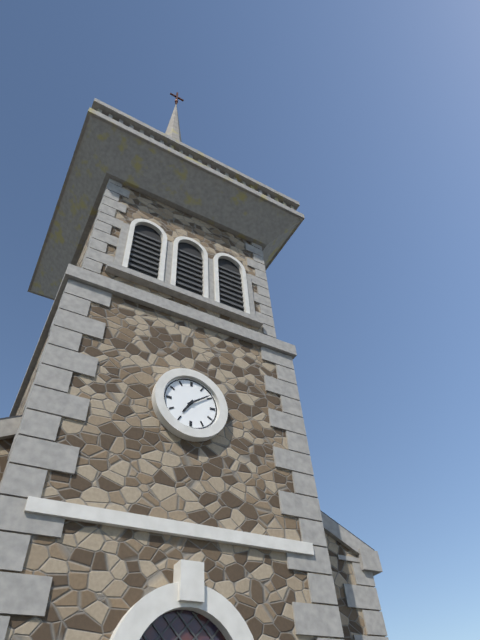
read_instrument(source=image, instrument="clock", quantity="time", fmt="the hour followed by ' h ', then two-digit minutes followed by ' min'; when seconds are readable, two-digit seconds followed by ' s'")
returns 7 h 09 min
